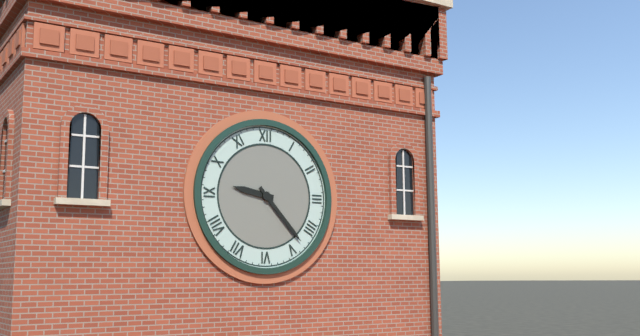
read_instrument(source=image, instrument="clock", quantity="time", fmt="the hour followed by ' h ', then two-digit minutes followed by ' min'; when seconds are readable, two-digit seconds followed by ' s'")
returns 9 h 23 min
